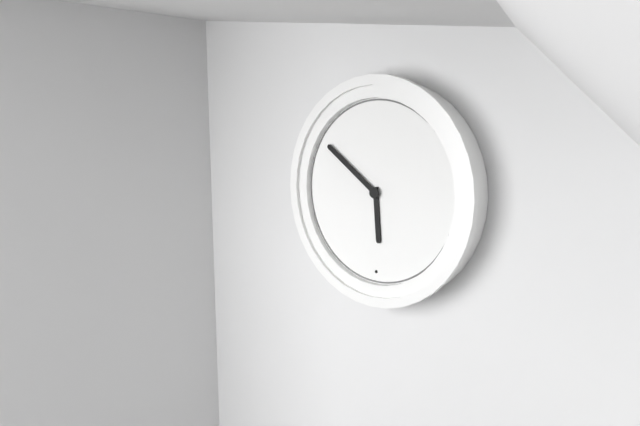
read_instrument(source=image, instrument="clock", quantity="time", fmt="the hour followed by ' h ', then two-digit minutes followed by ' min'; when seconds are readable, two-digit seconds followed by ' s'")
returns 5 h 51 min
